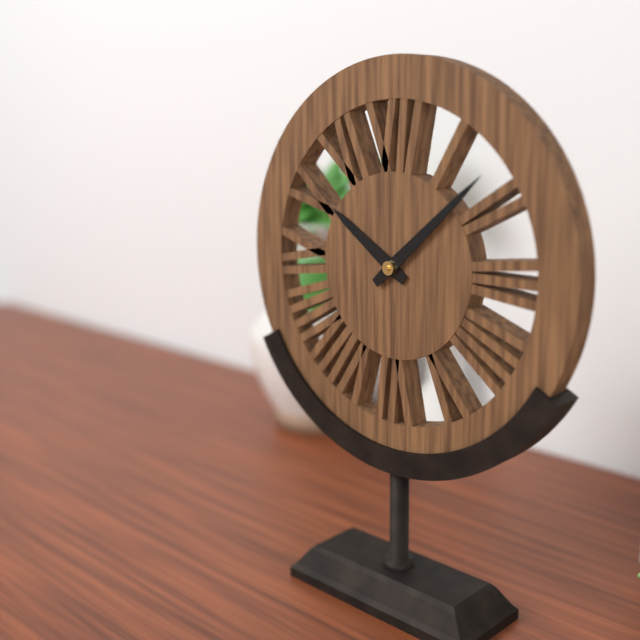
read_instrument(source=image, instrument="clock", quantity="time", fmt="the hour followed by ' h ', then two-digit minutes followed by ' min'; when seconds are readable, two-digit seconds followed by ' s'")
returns 10 h 08 min
